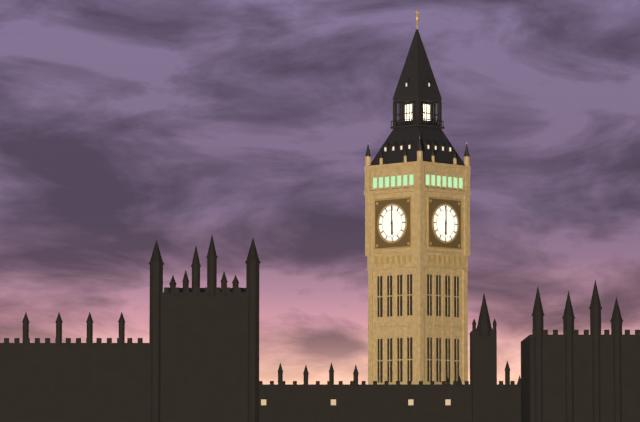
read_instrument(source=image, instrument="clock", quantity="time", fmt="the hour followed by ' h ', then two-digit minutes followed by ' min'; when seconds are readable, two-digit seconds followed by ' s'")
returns 6 h 00 min
